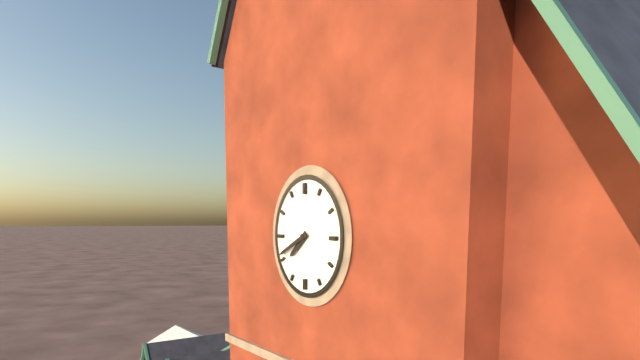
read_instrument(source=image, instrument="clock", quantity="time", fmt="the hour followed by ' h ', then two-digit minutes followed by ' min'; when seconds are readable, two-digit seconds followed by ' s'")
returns 7 h 41 min
